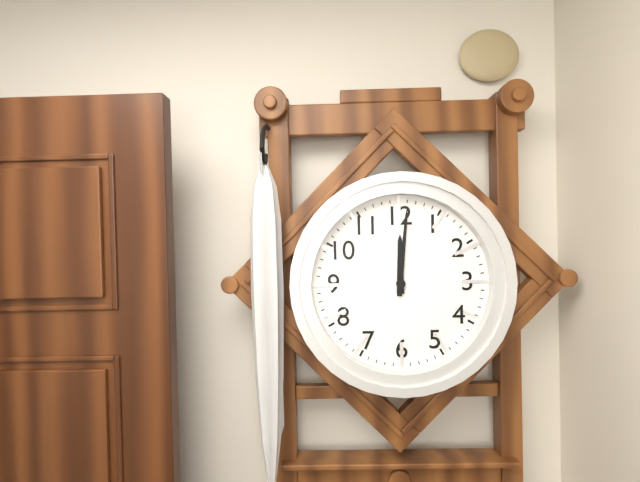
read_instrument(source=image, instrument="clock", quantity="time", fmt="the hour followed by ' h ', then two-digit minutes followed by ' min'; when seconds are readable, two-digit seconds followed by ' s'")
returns 12 h 01 min
